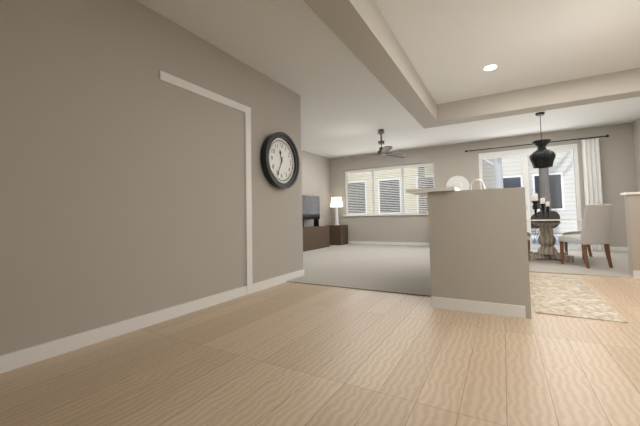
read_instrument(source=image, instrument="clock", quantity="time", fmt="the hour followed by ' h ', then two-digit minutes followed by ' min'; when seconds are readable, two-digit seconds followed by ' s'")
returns 11 h 34 min
